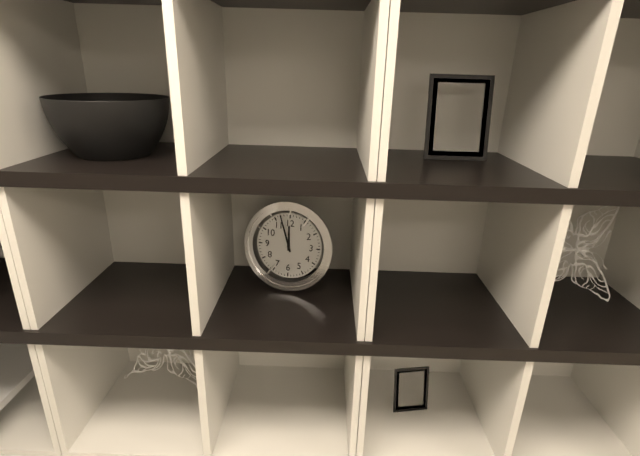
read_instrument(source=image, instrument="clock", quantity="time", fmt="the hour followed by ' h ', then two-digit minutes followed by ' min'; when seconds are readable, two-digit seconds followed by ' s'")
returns 11 h 57 min
